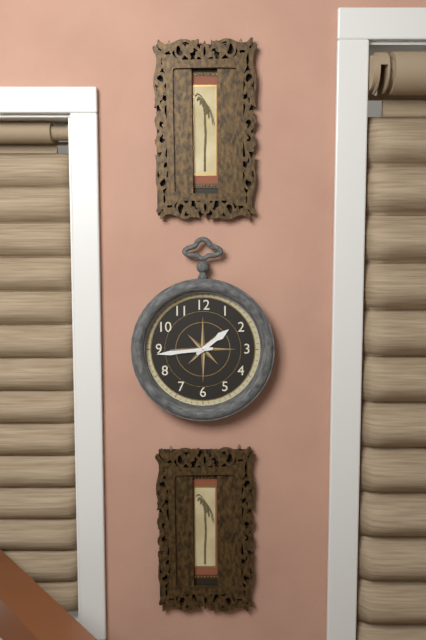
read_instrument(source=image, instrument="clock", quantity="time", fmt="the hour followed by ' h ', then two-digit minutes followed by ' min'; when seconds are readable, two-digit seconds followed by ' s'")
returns 1 h 44 min
